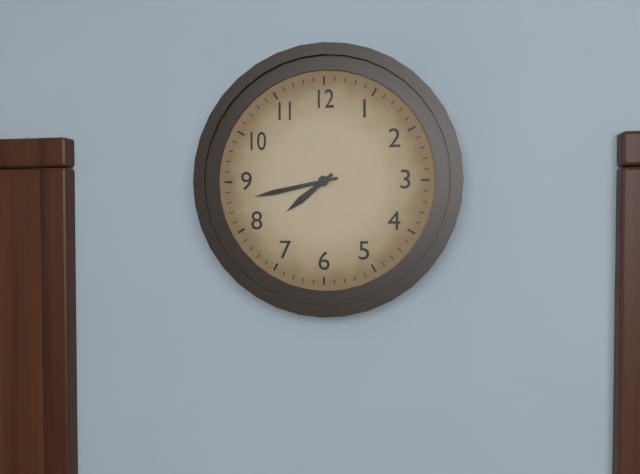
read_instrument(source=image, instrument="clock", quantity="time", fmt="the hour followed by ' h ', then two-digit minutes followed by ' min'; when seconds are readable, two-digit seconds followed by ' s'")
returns 7 h 43 min
